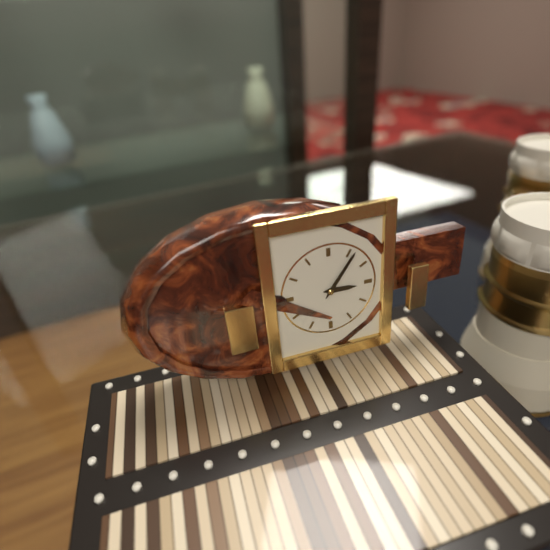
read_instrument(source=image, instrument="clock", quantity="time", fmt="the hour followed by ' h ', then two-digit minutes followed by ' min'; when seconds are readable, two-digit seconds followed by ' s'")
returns 3 h 06 min
